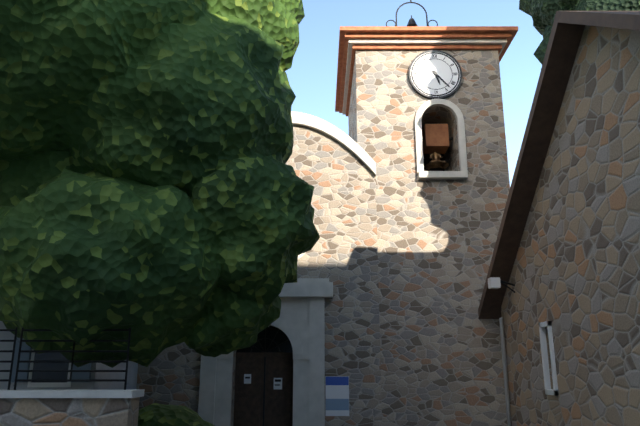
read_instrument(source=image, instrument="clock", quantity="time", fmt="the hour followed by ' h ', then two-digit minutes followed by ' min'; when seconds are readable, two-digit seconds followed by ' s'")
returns 5 h 23 min
